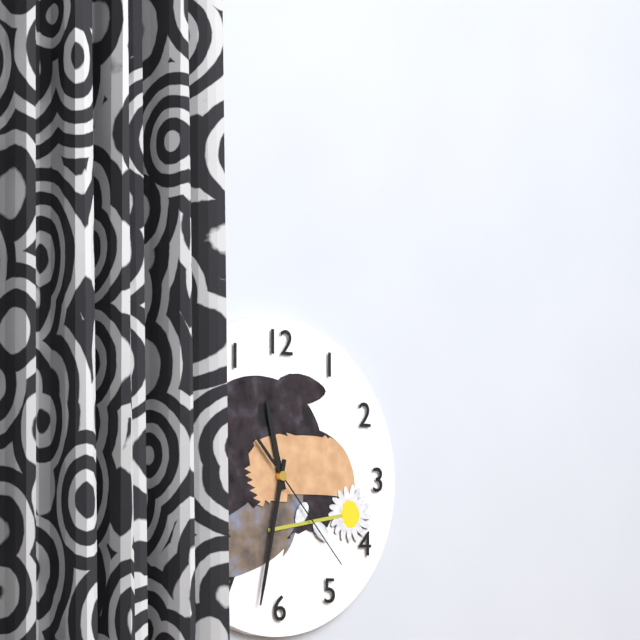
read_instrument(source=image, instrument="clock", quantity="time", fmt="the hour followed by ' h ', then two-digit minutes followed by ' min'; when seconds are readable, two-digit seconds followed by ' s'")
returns 11 h 32 min 23 s
